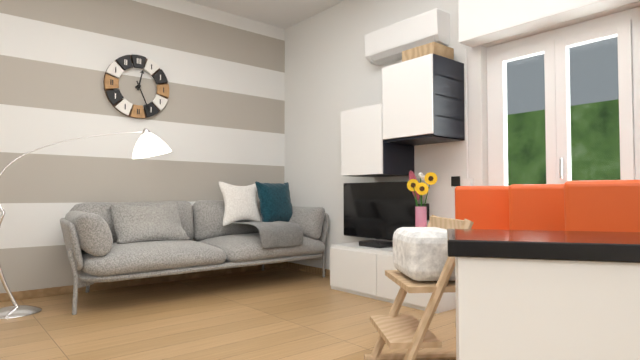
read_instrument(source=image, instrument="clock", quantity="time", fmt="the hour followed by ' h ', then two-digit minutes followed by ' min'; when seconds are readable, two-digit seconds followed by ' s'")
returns 12 h 26 min
